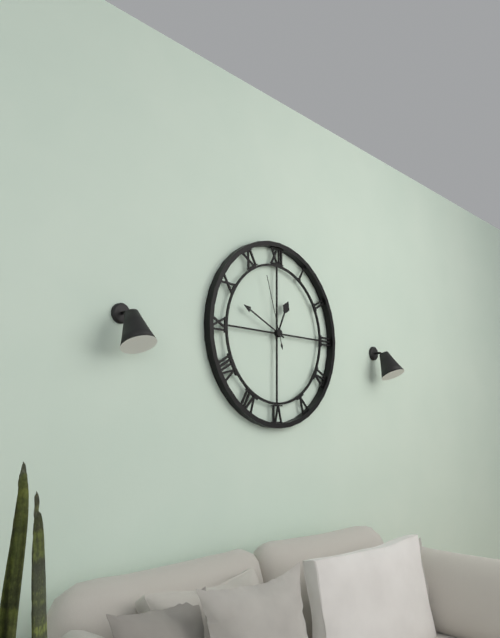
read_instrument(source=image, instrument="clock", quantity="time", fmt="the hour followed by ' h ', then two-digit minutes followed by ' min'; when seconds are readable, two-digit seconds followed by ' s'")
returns 12 h 49 min 57 s
